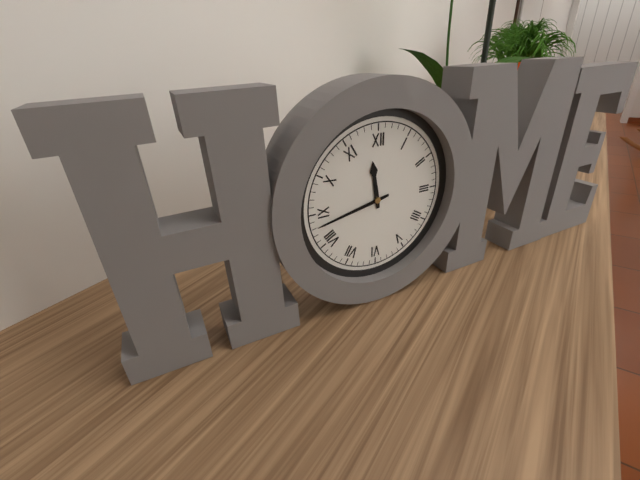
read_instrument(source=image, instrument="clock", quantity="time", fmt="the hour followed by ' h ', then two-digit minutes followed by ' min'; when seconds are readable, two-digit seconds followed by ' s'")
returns 11 h 43 min
